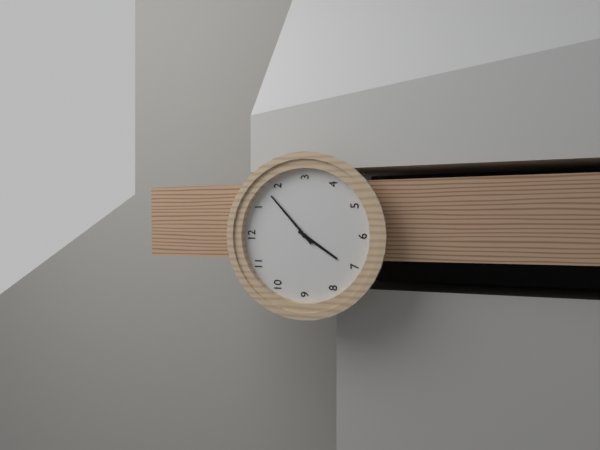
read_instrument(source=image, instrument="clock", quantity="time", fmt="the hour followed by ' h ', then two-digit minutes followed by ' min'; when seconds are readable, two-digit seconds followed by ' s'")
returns 7 h 08 min
